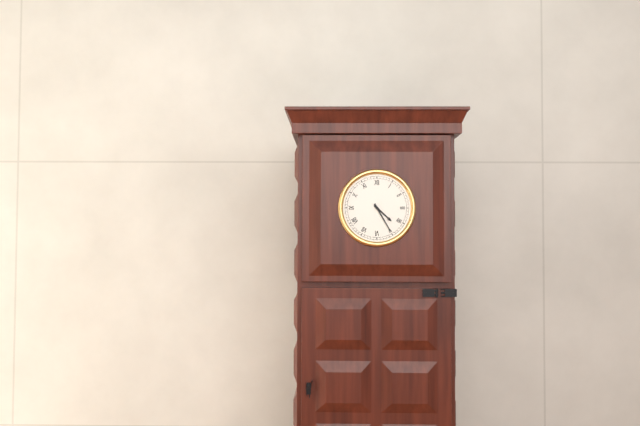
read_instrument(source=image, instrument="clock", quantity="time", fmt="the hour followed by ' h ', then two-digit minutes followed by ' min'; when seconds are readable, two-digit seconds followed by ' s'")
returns 4 h 25 min
